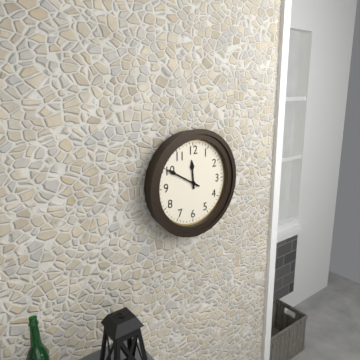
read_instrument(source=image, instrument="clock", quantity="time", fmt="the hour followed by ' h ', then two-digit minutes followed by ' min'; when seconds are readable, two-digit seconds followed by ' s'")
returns 11 h 50 min
